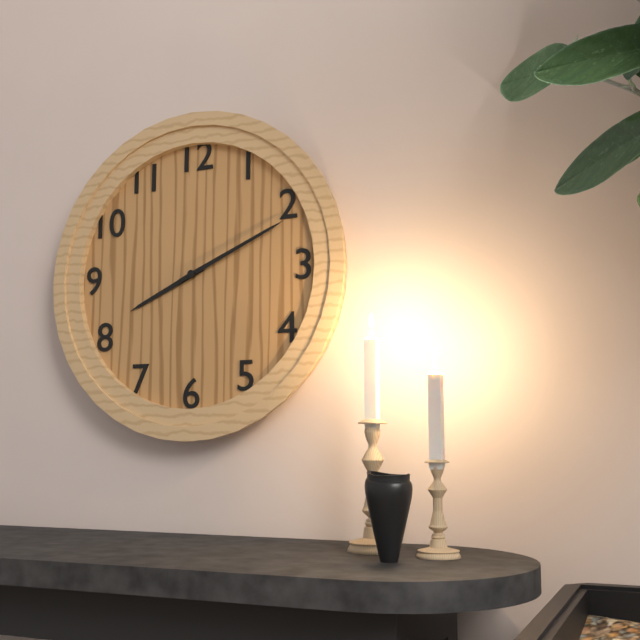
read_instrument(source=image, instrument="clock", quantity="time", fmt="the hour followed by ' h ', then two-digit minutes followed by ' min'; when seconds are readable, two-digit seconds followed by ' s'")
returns 8 h 11 min
